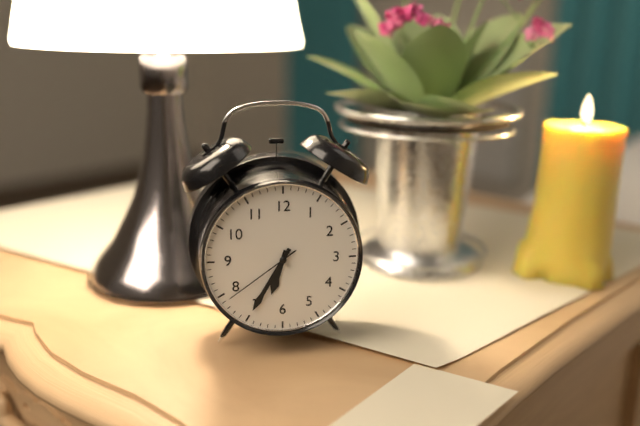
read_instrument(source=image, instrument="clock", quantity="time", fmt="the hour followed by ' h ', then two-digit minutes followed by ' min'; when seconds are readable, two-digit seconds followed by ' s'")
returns 6 h 35 min 39 s
